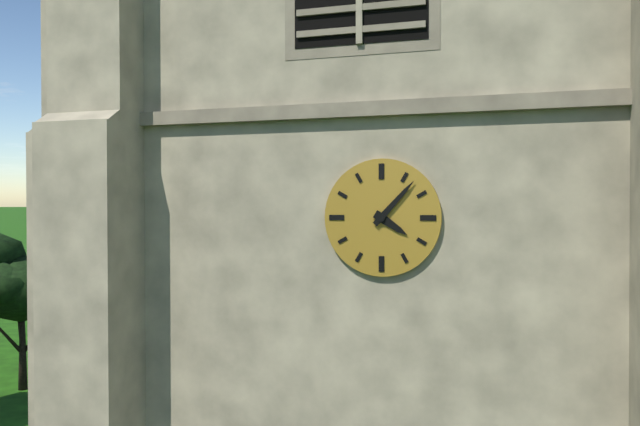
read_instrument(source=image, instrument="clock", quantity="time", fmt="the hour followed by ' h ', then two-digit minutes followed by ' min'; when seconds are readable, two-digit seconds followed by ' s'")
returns 4 h 07 min
